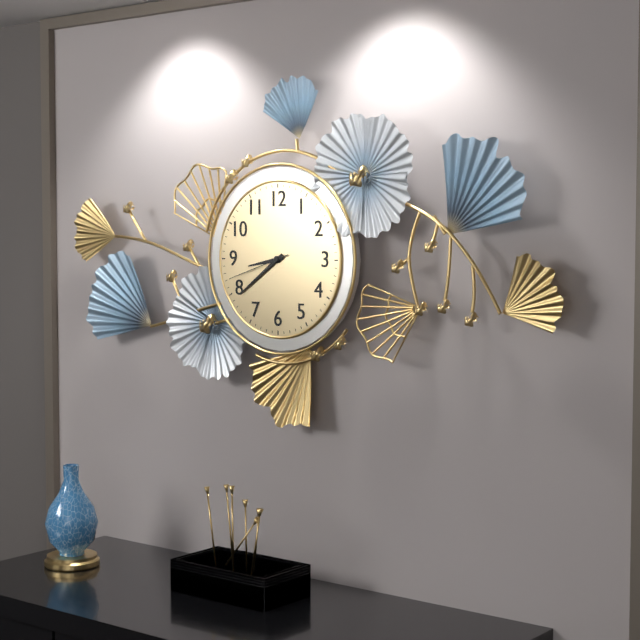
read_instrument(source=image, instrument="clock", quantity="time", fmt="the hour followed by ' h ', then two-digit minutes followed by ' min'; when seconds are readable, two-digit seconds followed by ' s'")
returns 8 h 39 min 42 s
